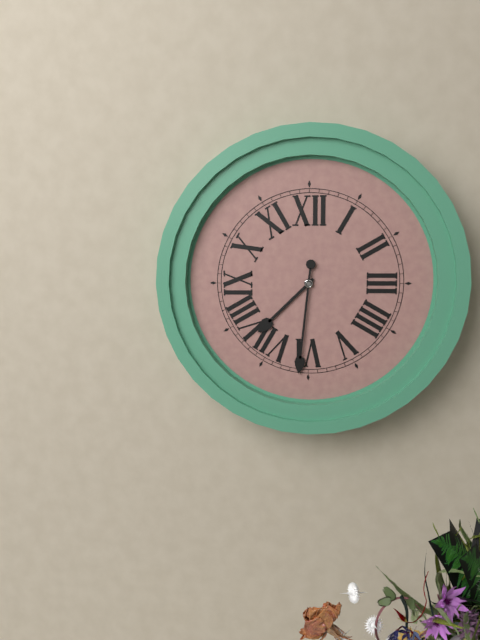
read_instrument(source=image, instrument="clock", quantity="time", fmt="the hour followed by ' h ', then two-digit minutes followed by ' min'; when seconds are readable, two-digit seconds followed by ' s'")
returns 7 h 31 min
